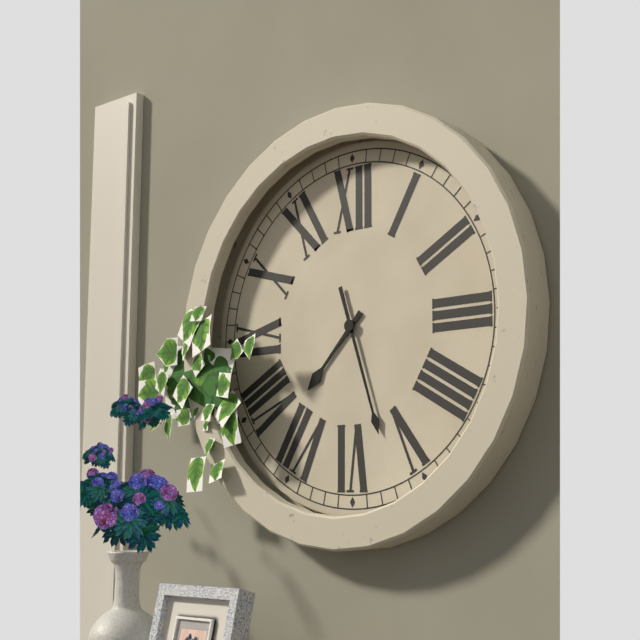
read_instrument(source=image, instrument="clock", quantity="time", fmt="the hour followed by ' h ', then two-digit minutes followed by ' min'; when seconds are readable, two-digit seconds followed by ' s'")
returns 7 h 27 min
